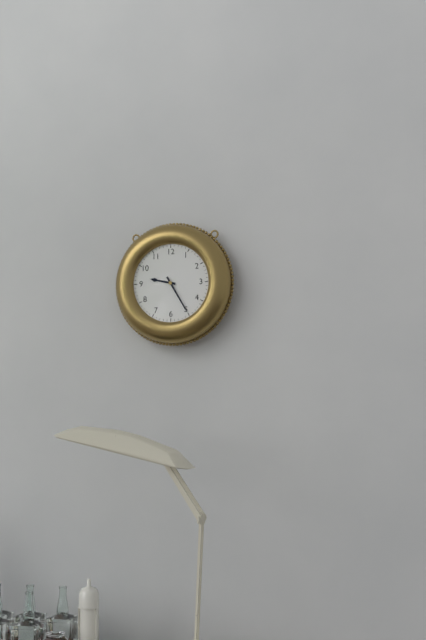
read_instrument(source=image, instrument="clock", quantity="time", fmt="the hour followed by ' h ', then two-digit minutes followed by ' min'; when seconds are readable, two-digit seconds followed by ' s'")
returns 9 h 25 min
